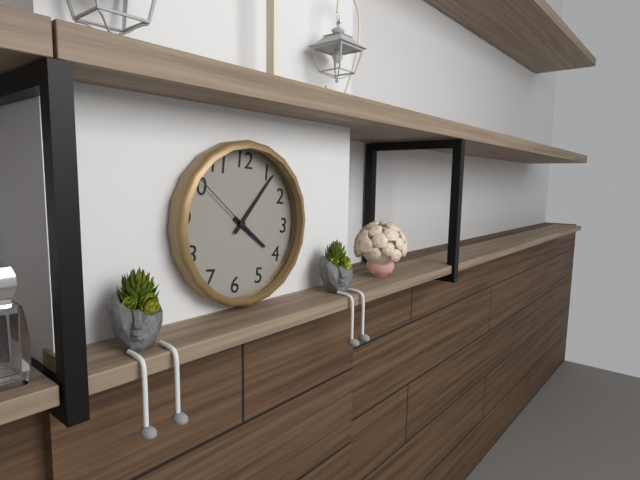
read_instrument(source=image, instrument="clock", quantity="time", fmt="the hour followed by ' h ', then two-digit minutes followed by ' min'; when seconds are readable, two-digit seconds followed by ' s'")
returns 4 h 06 min 51 s
